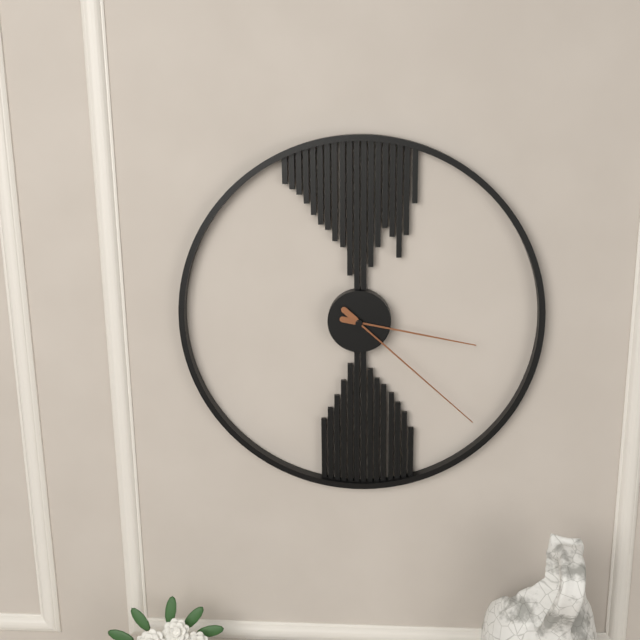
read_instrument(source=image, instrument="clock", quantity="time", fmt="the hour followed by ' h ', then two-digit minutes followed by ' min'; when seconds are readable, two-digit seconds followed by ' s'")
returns 3 h 22 min
